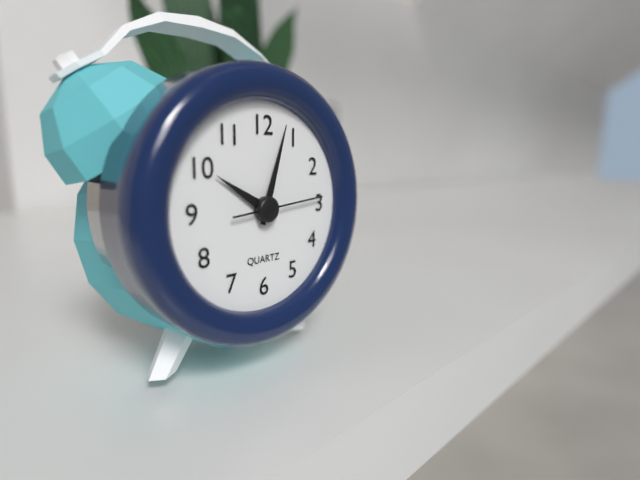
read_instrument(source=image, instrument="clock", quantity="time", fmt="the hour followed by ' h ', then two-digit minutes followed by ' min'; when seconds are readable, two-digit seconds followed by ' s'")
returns 10 h 03 min 14 s
